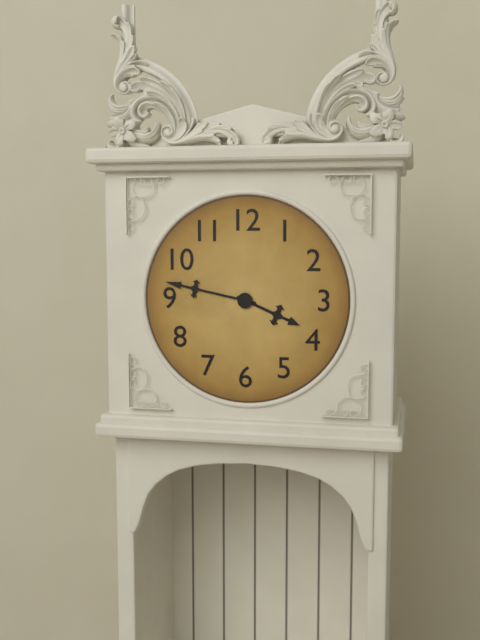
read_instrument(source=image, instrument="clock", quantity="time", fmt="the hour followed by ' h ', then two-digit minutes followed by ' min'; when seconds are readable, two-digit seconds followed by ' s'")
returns 3 h 47 min
